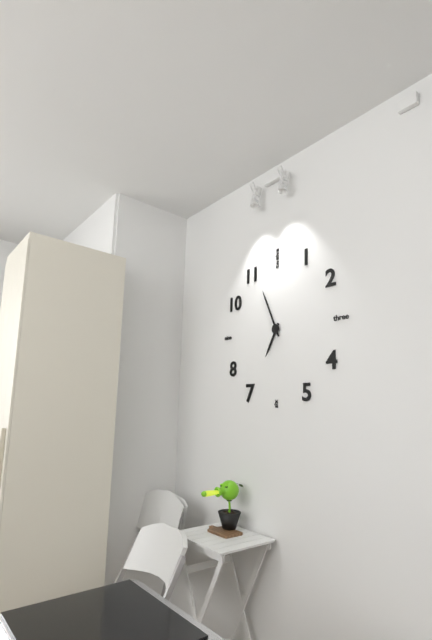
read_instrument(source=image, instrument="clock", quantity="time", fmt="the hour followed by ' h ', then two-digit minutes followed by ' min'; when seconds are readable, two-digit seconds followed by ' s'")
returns 6 h 56 min
